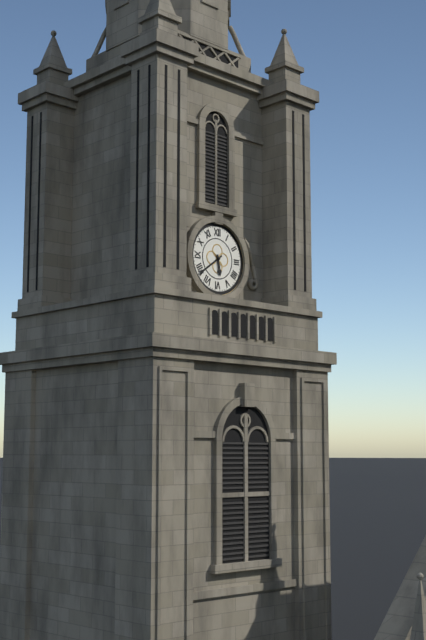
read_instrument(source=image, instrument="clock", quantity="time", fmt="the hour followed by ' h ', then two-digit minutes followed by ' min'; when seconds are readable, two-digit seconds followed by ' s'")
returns 5 h 39 min
